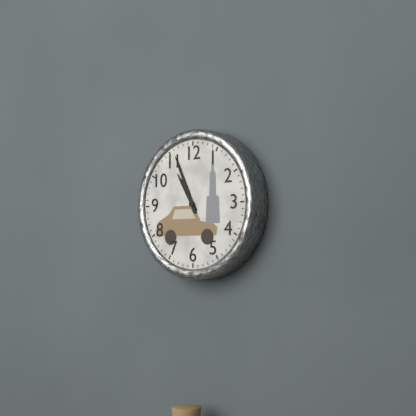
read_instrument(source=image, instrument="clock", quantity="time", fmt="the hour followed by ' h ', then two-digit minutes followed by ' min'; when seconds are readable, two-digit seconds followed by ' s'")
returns 10 h 56 min
